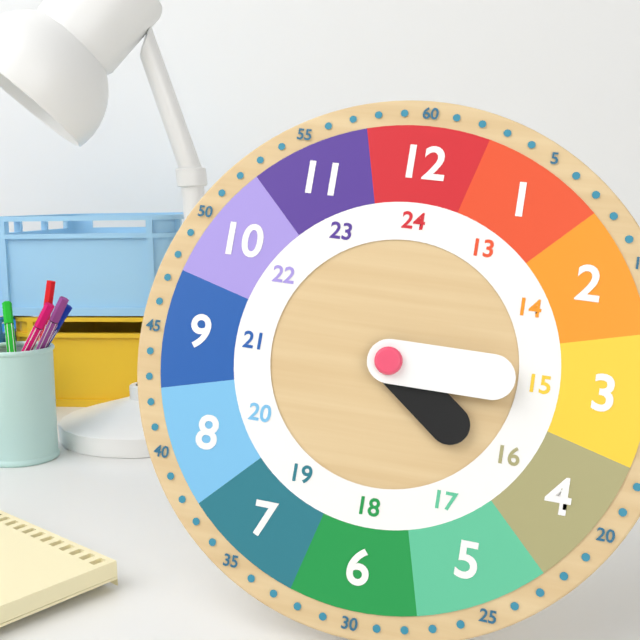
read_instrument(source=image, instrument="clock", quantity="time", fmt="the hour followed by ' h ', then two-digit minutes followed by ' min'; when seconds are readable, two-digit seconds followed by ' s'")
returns 4 h 15 min
